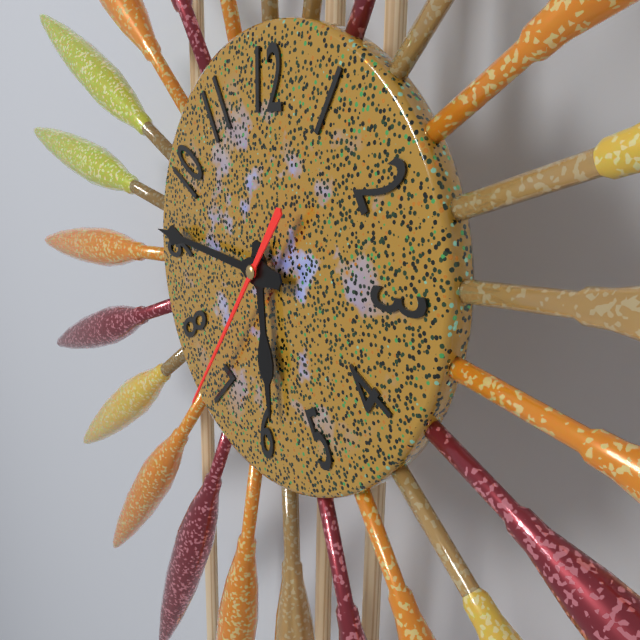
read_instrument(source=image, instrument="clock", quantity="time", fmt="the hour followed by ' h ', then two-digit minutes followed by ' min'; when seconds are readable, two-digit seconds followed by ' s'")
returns 5 h 46 min 36 s
